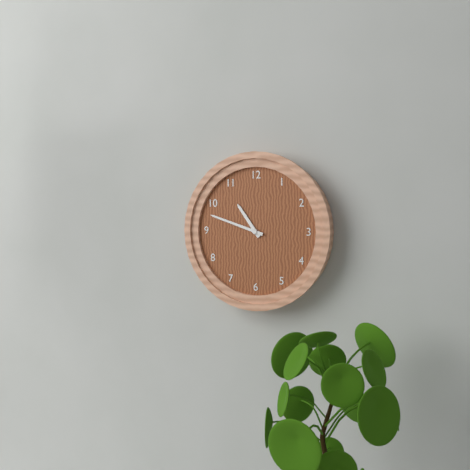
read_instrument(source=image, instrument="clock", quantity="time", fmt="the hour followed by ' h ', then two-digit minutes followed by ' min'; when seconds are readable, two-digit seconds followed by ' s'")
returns 10 h 48 min
